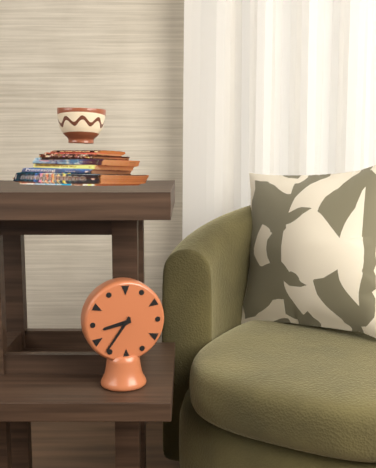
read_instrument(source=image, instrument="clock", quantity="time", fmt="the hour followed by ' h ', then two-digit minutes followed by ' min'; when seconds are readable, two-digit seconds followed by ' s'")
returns 8 h 36 min
